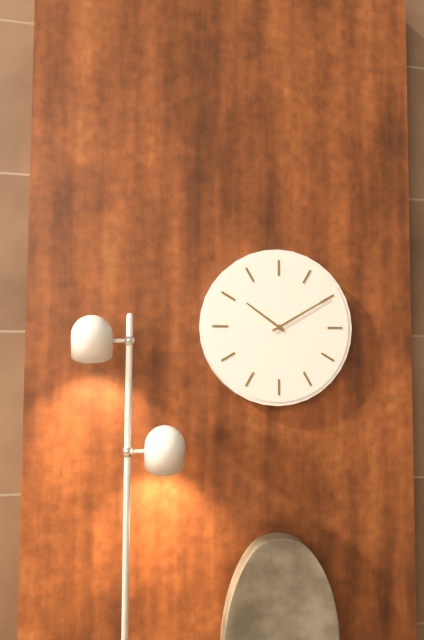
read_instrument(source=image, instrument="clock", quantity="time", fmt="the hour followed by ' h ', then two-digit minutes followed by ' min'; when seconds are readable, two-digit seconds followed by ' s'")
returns 10 h 10 min
